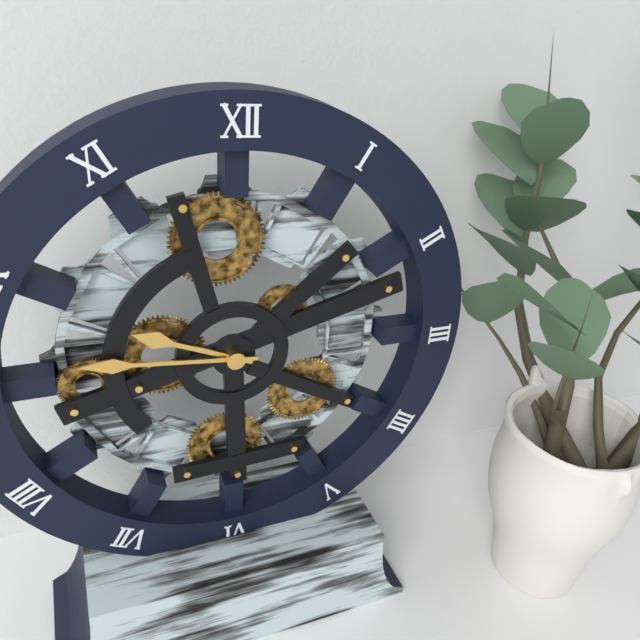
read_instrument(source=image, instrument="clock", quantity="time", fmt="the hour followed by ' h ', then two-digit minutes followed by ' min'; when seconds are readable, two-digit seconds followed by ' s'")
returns 9 h 46 min
